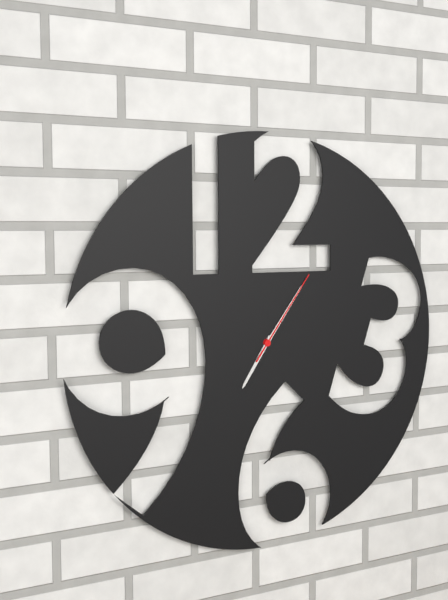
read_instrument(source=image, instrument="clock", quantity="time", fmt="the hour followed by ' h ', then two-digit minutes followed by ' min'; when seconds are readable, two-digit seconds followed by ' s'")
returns 7 h 06 min 06 s
